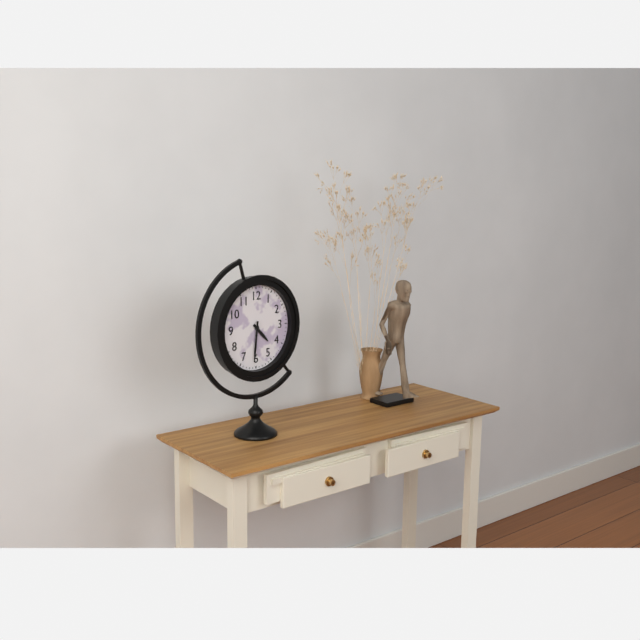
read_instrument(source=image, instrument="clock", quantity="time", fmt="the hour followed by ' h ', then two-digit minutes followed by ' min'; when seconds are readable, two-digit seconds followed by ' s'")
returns 4 h 31 min
